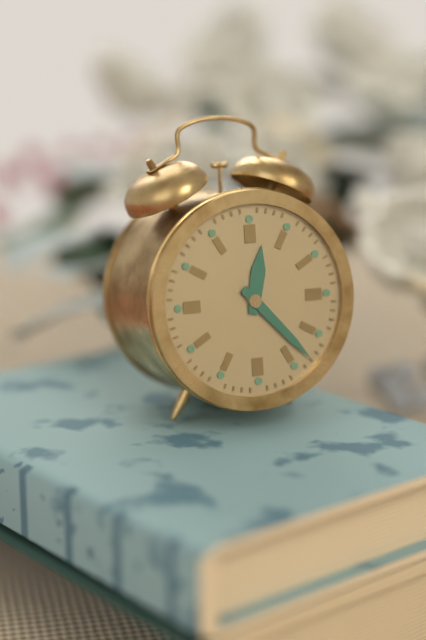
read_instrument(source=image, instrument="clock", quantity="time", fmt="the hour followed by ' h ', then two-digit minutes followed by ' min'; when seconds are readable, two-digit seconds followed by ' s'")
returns 12 h 23 min
